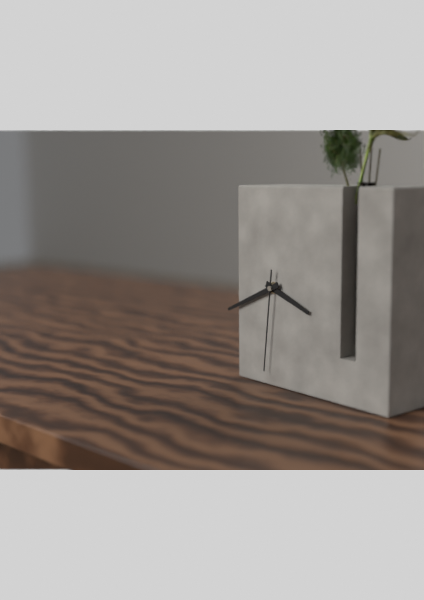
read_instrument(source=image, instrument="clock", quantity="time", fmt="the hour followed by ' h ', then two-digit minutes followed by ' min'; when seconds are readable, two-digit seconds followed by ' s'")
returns 3 h 41 min 31 s
